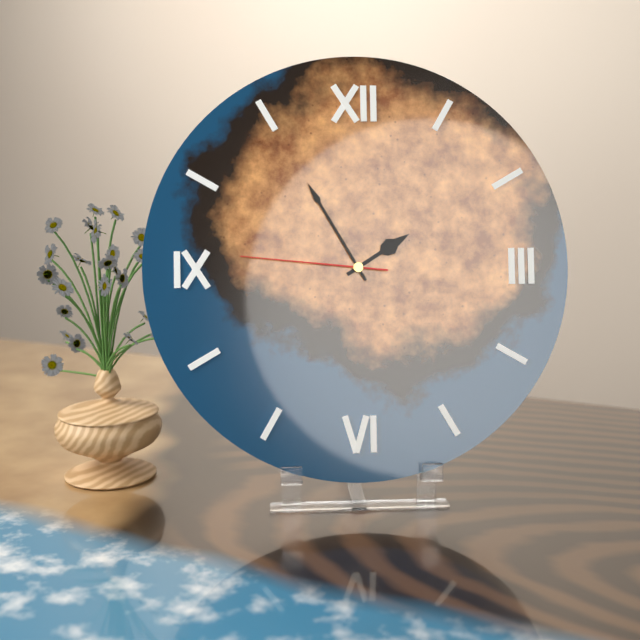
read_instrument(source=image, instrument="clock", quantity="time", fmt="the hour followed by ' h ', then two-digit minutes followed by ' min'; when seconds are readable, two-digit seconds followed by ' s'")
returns 1 h 55 min 46 s
